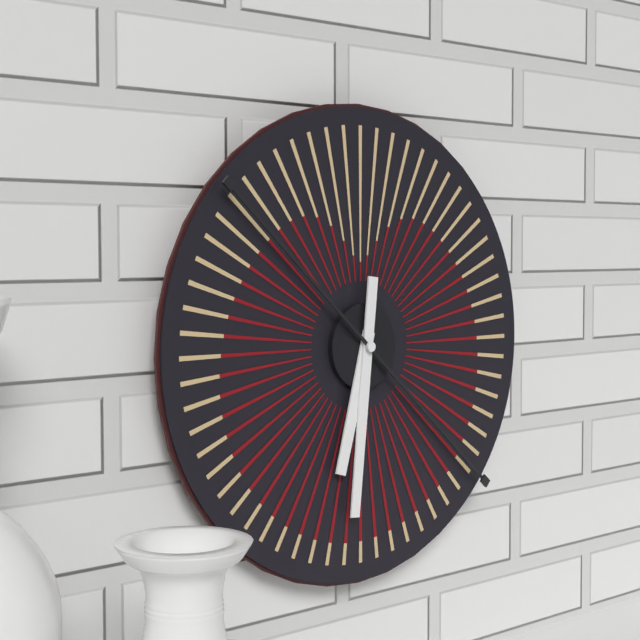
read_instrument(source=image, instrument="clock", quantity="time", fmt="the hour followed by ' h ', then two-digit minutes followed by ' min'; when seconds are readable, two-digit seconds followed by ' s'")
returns 6 h 31 min
